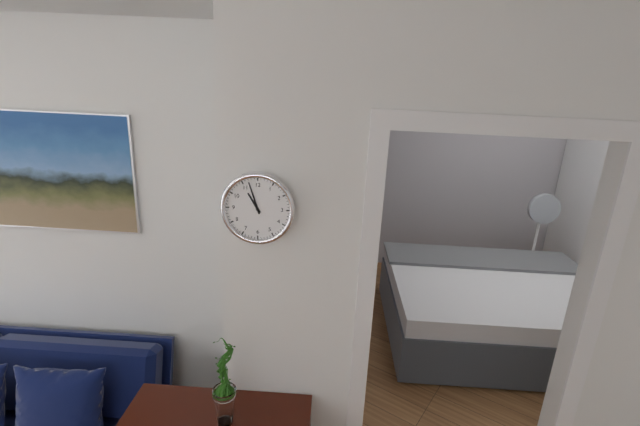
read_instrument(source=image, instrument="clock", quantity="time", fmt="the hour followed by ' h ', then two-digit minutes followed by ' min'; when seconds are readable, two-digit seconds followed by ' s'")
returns 10 h 57 min
